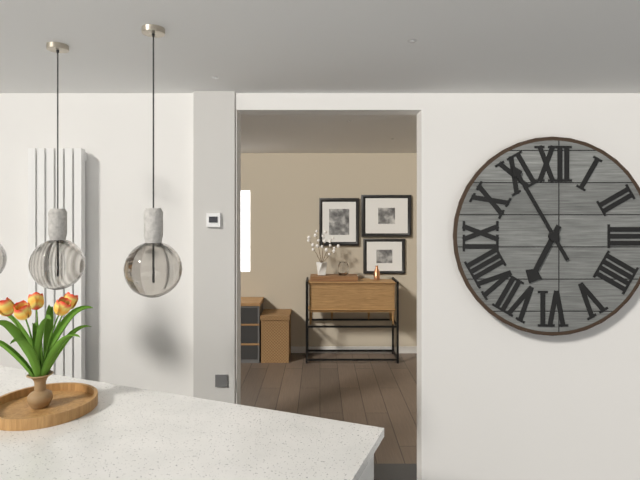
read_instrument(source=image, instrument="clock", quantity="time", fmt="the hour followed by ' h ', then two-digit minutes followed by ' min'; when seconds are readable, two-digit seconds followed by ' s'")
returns 6 h 55 min
